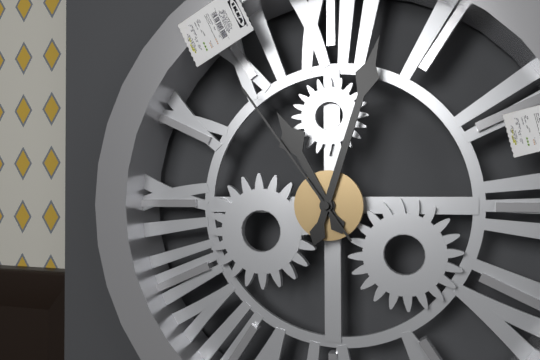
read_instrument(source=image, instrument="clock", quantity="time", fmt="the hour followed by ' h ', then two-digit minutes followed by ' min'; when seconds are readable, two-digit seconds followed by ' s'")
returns 11 h 03 min 54 s
